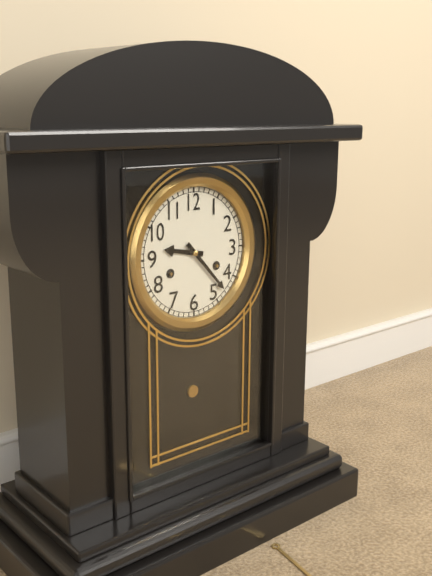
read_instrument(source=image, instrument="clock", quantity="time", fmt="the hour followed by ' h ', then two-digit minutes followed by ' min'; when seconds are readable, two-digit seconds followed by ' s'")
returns 9 h 23 min
